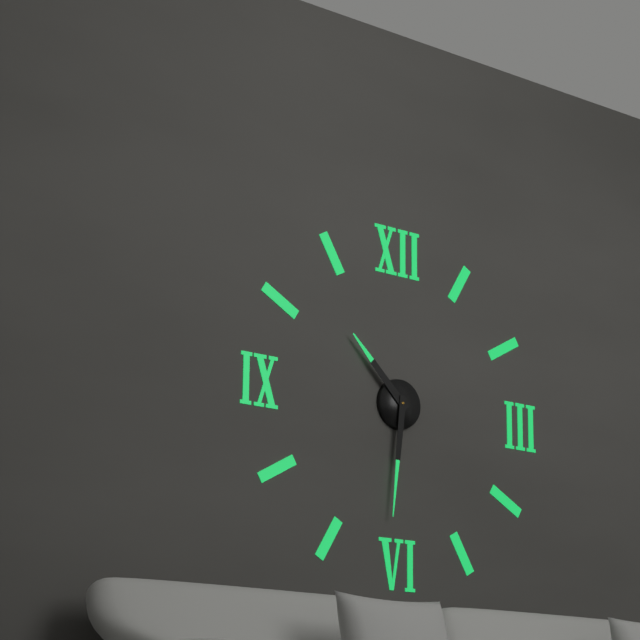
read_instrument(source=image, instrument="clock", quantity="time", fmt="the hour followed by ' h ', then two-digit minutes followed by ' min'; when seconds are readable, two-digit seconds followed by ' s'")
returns 10 h 31 min
